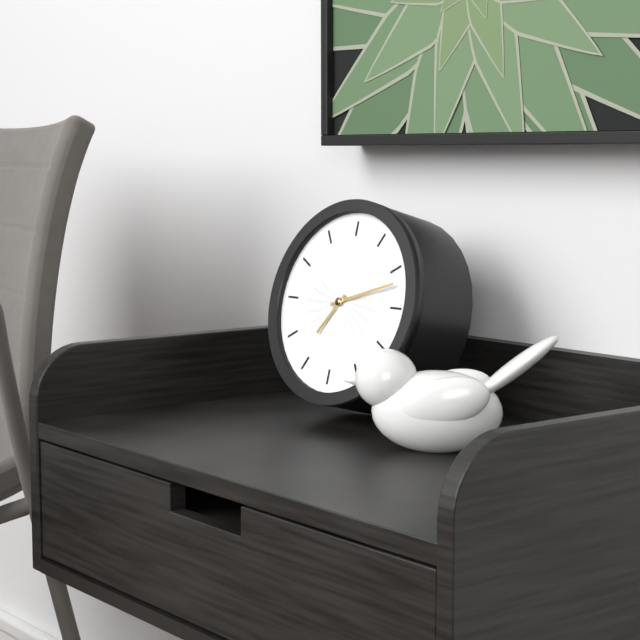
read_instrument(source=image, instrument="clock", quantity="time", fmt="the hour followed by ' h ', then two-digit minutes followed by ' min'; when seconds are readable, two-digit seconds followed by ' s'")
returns 7 h 12 min
